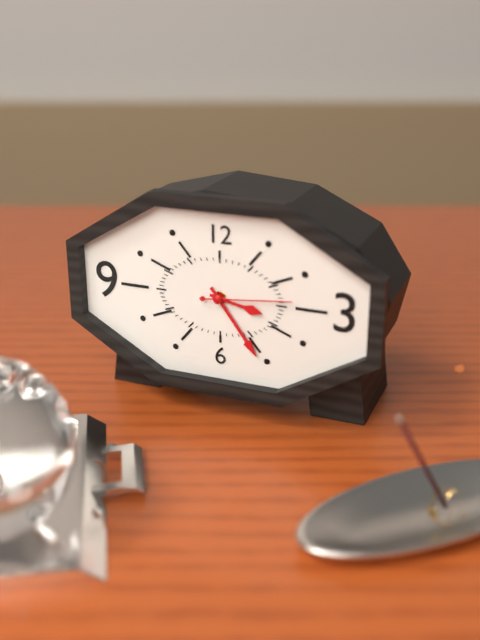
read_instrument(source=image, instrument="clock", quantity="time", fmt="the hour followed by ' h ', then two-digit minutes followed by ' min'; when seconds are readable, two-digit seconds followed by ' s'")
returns 3 h 24 min 14 s
